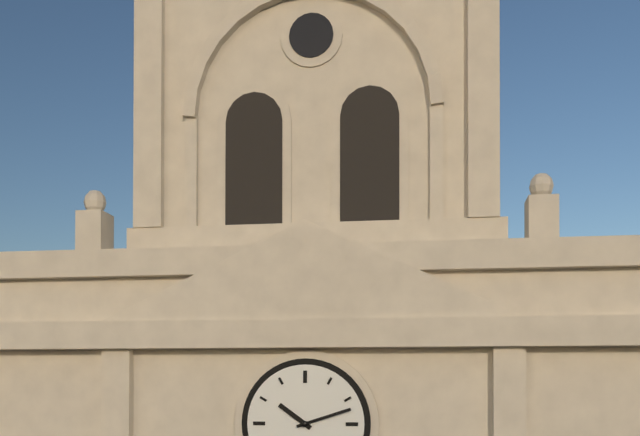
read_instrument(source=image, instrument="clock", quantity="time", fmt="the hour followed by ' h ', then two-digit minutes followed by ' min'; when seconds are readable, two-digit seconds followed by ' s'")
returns 10 h 12 min
